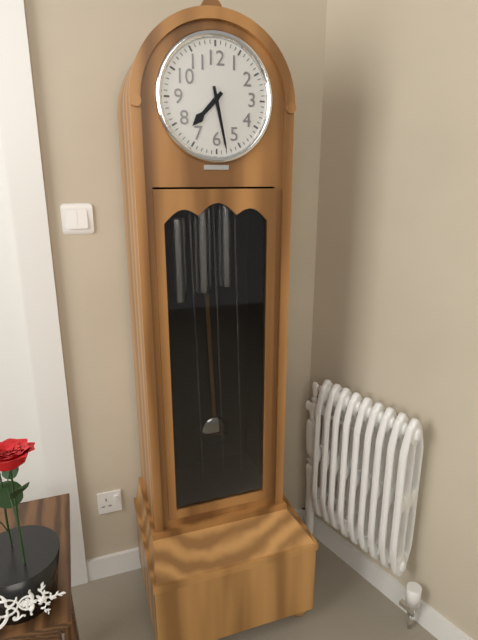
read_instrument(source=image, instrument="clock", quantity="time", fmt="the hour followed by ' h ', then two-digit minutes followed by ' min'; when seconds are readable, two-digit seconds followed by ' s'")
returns 7 h 28 min
